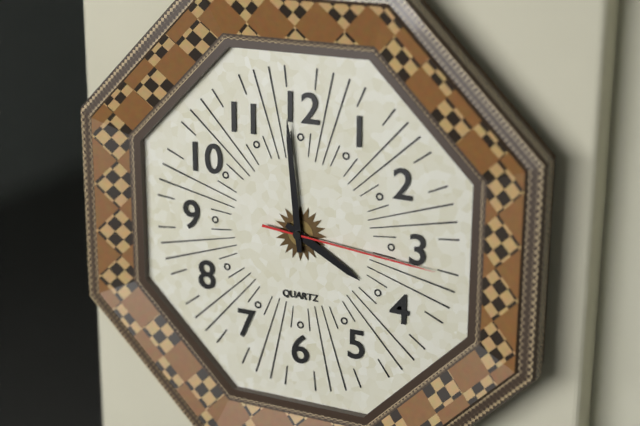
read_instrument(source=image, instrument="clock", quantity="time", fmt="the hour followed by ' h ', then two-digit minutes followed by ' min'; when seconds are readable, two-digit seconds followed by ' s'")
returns 3 h 59 min 16 s
